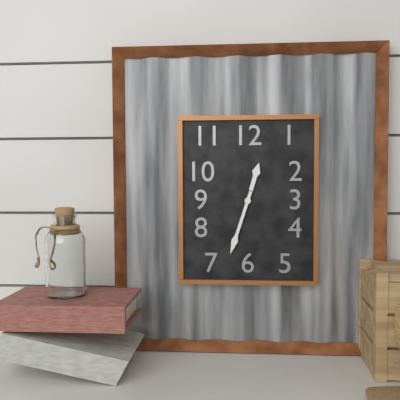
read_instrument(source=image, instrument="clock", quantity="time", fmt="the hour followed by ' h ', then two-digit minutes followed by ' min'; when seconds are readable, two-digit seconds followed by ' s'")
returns 12 h 33 min
